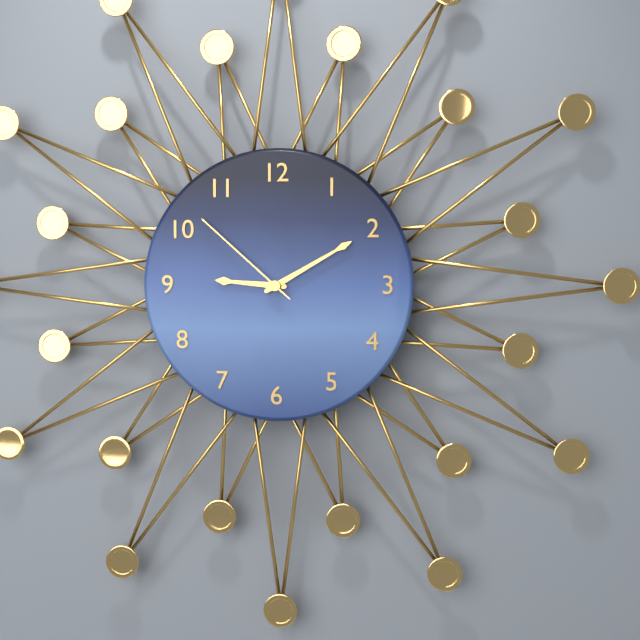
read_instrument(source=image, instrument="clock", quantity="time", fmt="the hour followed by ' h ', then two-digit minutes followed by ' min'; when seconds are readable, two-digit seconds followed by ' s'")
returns 9 h 10 min 52 s
